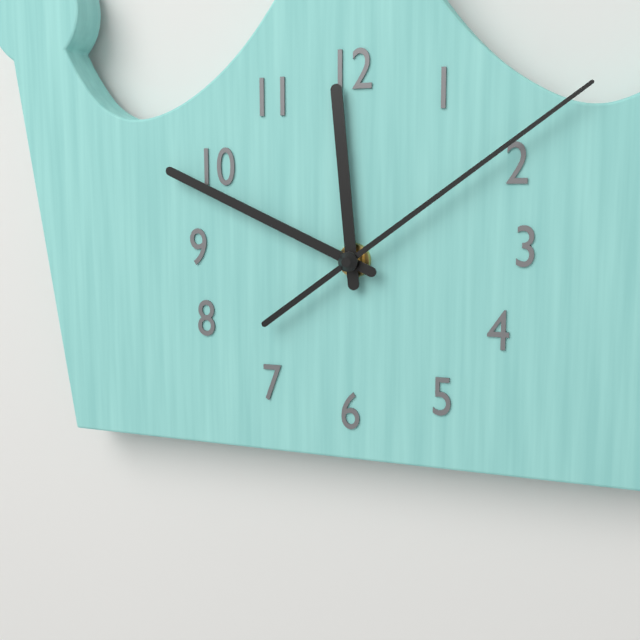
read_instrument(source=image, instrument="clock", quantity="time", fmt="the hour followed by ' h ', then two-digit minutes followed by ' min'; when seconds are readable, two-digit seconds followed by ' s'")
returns 11 h 49 min 09 s
